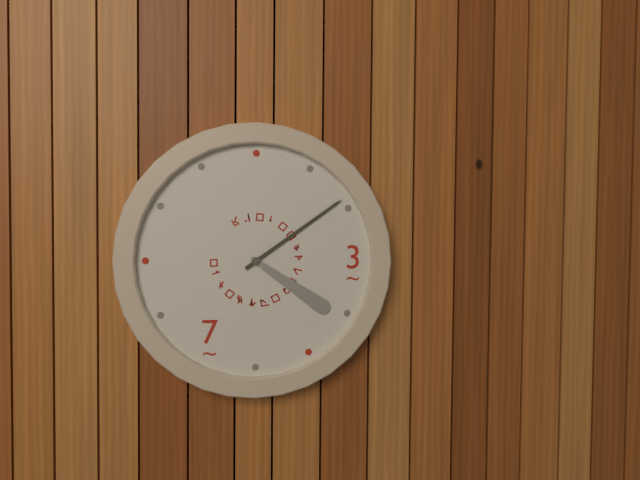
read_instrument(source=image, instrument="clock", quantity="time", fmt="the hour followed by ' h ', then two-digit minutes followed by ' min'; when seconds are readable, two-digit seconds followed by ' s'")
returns 4 h 09 min
